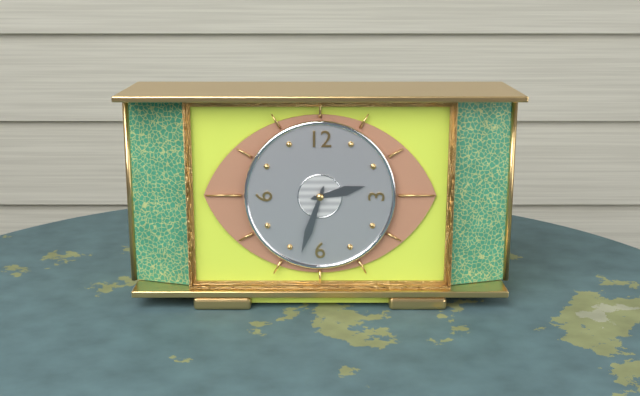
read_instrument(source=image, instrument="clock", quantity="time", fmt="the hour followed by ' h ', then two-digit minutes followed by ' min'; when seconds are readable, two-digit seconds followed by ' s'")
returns 2 h 33 min
